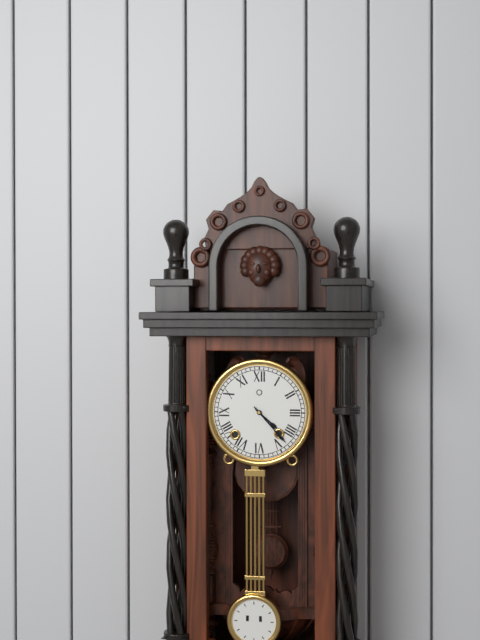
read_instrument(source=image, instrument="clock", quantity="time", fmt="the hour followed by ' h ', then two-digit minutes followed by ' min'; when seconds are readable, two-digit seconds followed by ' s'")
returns 4 h 23 min
